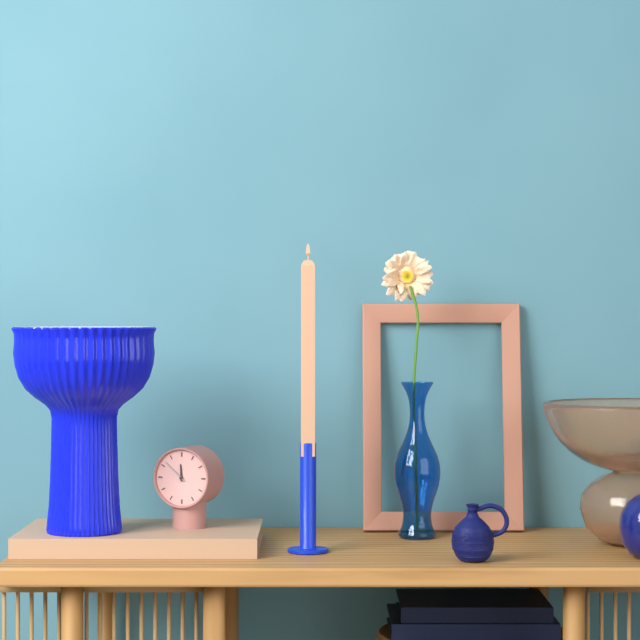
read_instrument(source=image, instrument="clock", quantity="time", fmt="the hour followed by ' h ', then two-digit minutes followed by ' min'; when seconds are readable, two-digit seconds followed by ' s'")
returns 11 h 52 min
